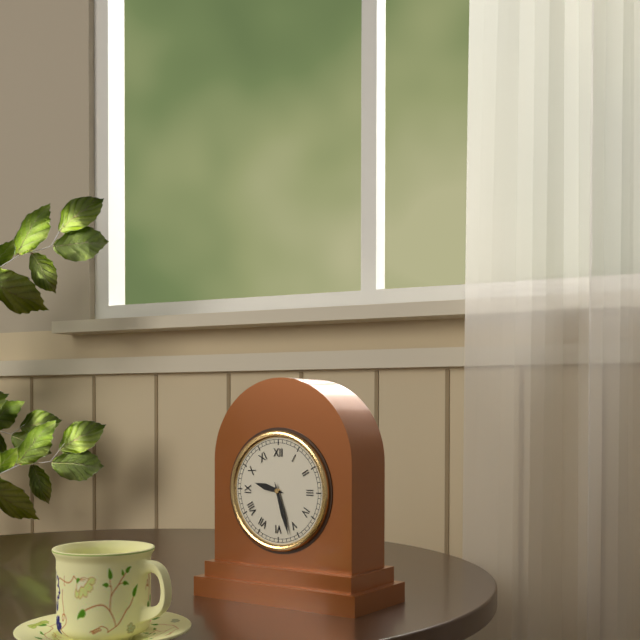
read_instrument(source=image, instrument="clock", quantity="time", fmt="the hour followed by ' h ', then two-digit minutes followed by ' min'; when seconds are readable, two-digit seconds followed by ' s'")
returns 9 h 27 min
